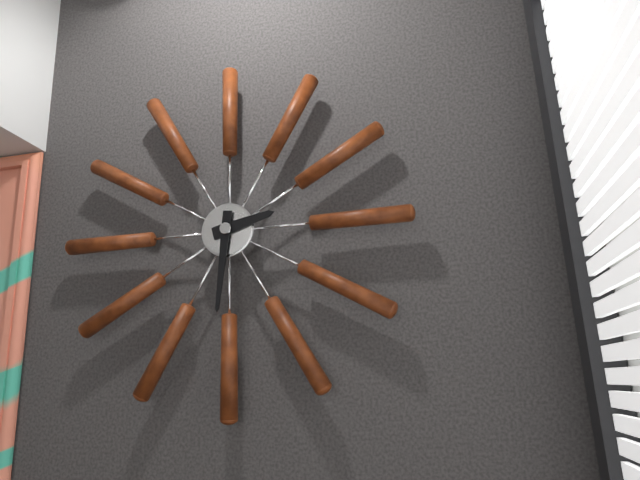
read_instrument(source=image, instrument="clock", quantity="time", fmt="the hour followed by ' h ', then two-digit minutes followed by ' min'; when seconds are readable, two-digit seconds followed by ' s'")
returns 2 h 31 min
